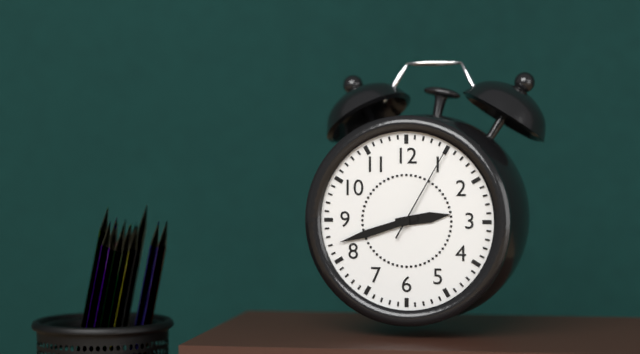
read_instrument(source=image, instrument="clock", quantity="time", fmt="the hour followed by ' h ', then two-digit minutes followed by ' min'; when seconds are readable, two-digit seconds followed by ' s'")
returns 2 h 42 min 05 s
